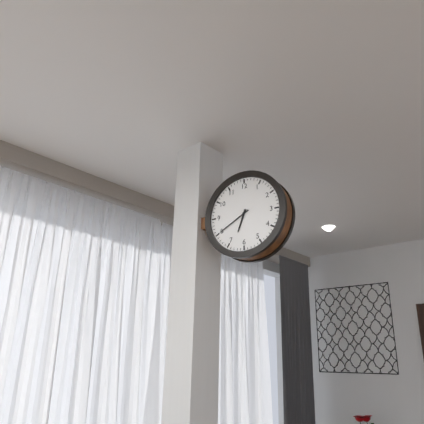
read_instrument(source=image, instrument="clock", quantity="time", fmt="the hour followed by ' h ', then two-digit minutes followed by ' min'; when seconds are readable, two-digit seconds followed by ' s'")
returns 6 h 40 min
